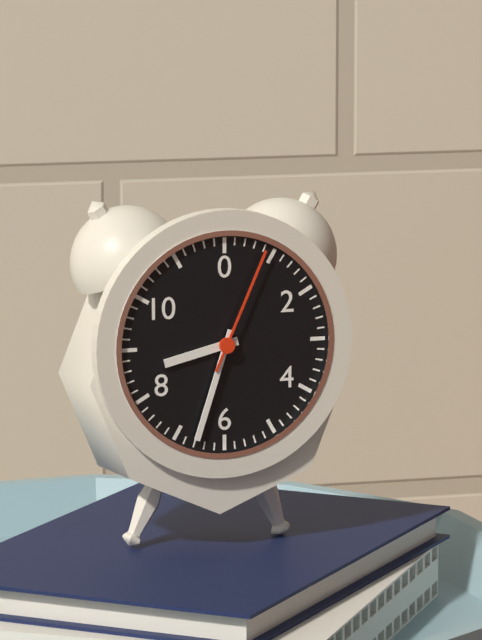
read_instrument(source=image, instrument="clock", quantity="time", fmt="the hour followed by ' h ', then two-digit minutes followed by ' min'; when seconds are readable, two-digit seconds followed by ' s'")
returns 8 h 33 min 04 s
